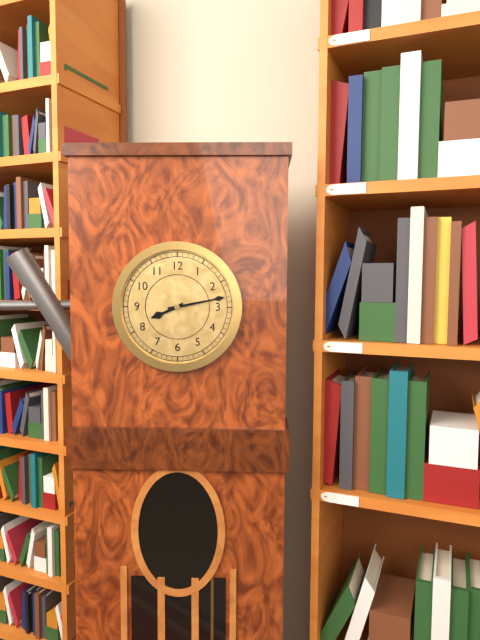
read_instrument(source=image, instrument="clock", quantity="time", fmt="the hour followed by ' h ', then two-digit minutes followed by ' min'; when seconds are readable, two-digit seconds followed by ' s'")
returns 8 h 13 min
